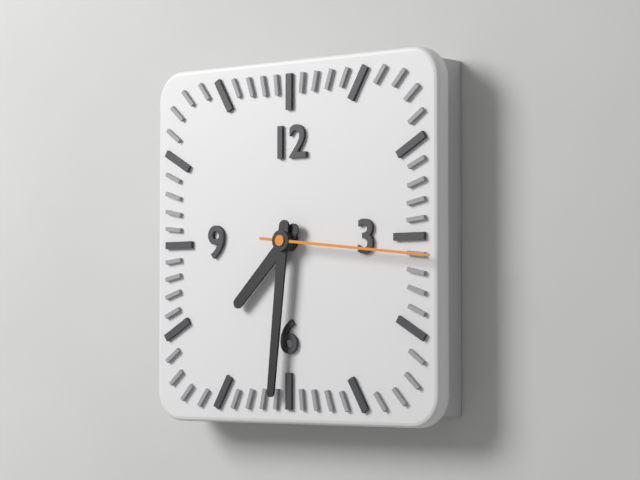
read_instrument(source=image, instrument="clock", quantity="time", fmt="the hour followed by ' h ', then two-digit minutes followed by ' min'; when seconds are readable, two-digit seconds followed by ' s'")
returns 7 h 31 min 16 s
